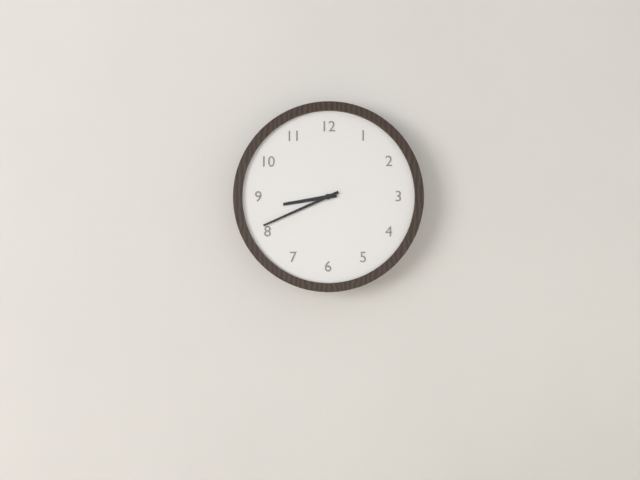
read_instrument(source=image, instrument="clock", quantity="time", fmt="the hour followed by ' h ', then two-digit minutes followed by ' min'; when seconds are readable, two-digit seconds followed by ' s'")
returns 8 h 41 min
